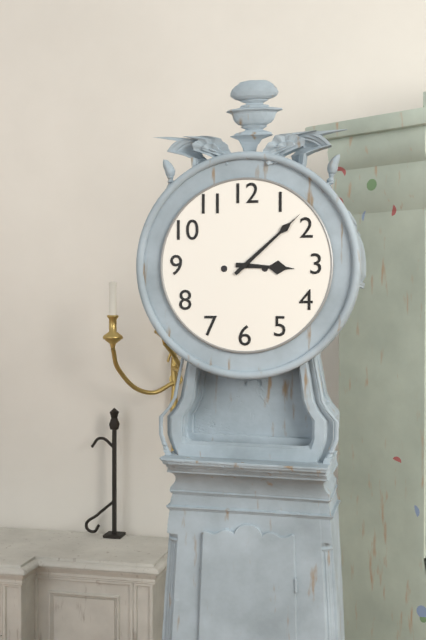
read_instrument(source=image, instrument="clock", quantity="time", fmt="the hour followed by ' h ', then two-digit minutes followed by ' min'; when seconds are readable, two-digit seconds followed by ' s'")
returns 3 h 08 min
